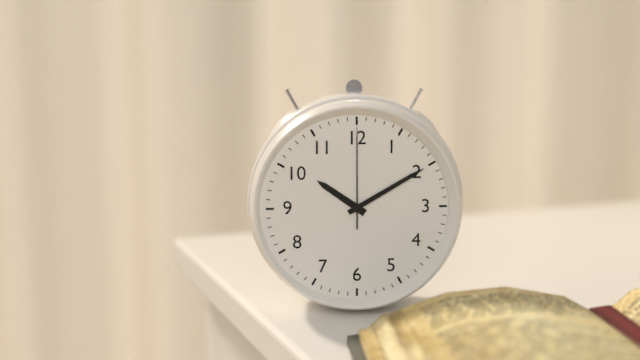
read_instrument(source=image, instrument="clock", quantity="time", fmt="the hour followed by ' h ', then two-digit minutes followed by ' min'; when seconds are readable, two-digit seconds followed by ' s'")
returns 10 h 10 min 00 s
